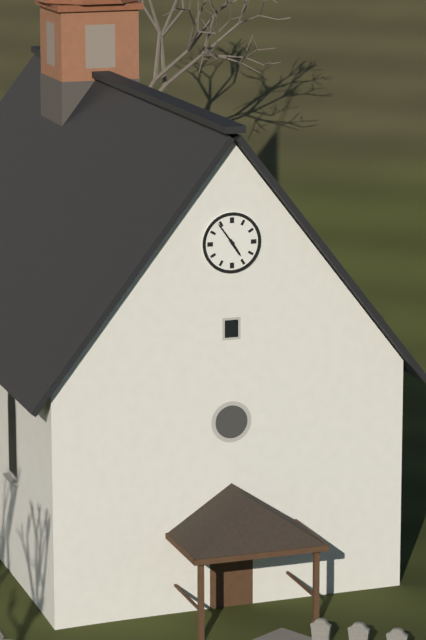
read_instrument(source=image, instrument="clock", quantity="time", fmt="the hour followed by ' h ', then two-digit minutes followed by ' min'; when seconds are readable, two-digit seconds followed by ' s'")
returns 4 h 54 min
